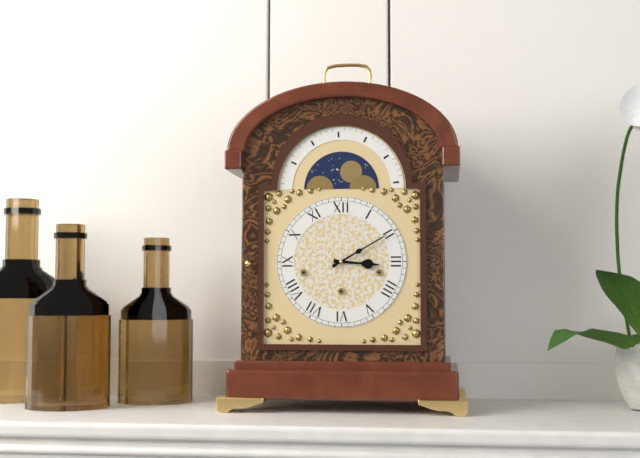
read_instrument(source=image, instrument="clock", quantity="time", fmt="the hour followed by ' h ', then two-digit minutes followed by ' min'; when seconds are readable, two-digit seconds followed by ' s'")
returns 3 h 10 min
